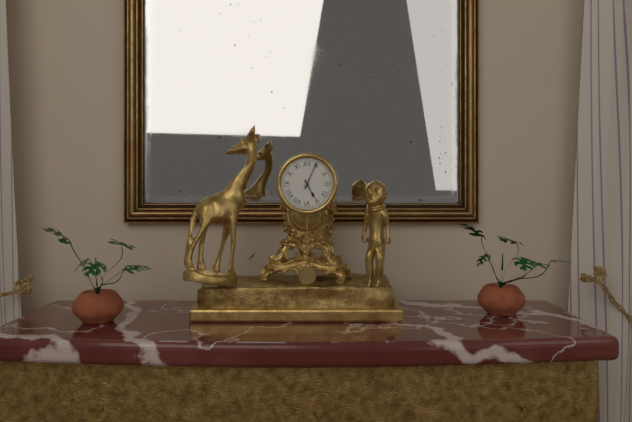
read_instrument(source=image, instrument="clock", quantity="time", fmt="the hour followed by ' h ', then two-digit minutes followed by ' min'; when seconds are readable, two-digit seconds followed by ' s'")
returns 5 h 04 min
